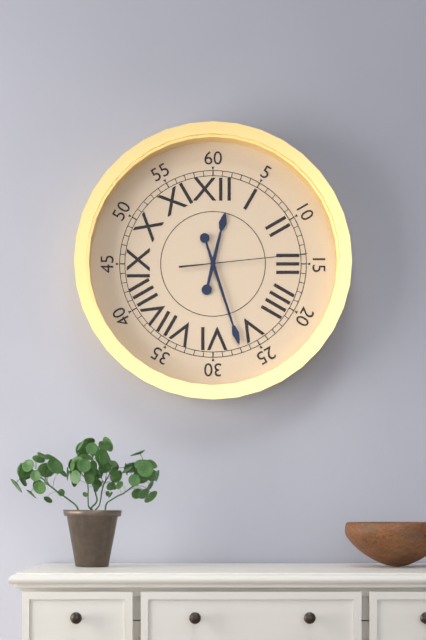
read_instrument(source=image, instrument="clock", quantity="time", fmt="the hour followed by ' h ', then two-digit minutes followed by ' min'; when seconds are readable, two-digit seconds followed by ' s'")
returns 12 h 27 min 14 s
